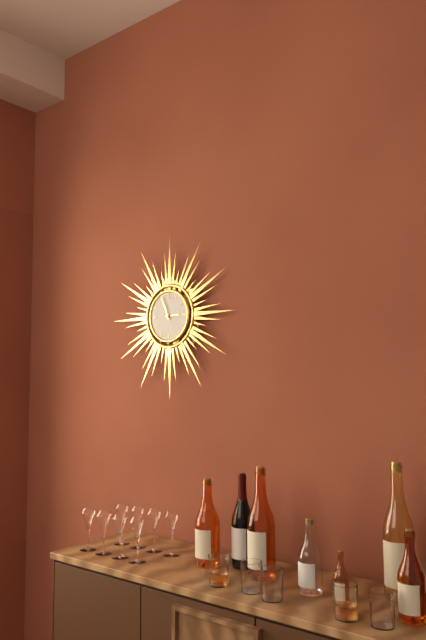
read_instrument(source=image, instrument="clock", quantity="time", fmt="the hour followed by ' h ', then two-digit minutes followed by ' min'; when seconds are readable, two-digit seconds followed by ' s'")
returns 2 h 56 min
